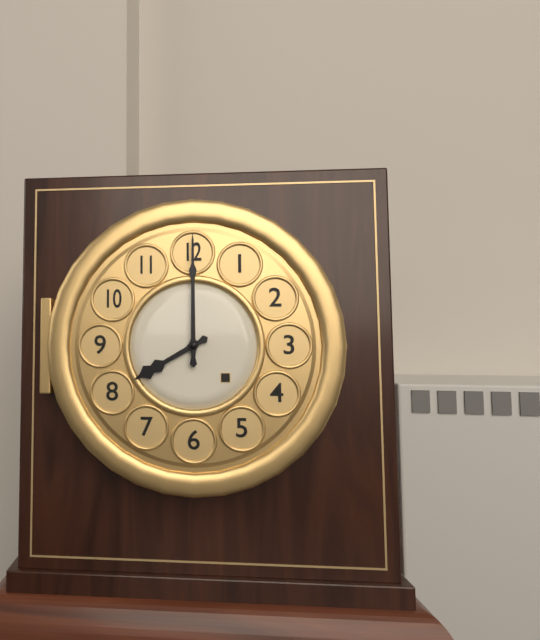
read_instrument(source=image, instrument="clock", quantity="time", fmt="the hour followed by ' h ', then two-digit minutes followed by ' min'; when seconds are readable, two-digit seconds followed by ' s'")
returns 8 h 00 min
